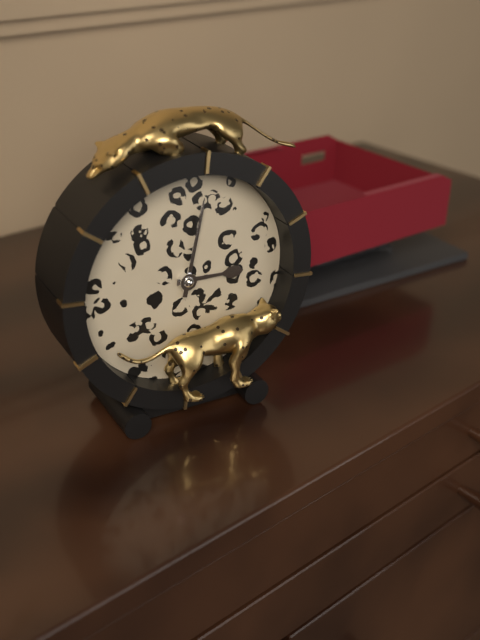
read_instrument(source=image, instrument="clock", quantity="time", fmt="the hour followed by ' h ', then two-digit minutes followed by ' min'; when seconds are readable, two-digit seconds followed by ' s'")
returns 3 h 02 min
